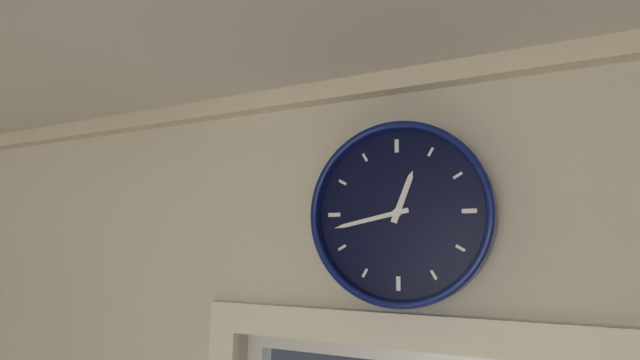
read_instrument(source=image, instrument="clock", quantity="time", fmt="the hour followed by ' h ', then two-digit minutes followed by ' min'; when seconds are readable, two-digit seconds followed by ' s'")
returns 12 h 43 min
